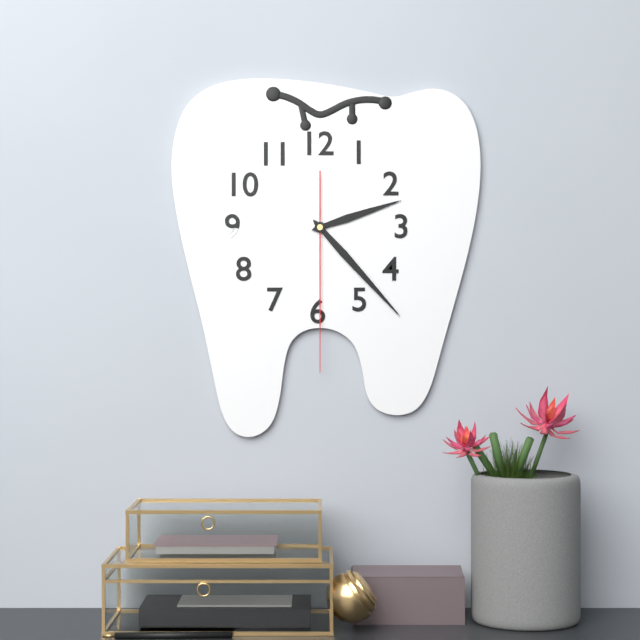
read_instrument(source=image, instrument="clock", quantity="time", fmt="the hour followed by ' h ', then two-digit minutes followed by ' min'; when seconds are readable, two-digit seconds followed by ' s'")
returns 2 h 23 min 30 s
